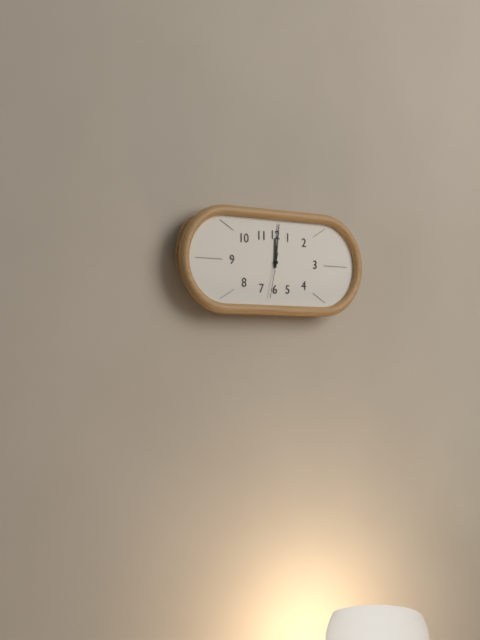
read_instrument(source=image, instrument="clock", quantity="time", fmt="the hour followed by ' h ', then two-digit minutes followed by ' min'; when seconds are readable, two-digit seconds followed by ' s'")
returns 12 h 01 min
